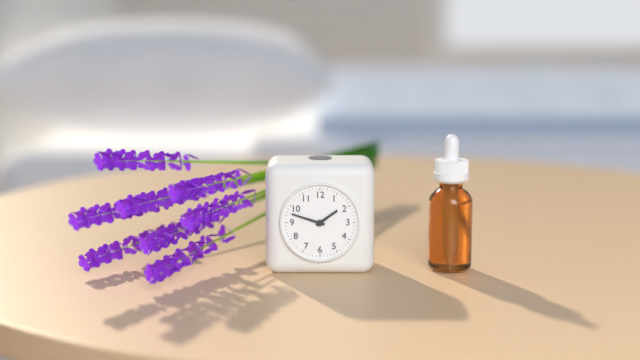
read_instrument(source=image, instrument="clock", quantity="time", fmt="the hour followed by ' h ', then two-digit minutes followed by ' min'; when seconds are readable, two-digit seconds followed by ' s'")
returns 1 h 48 min
